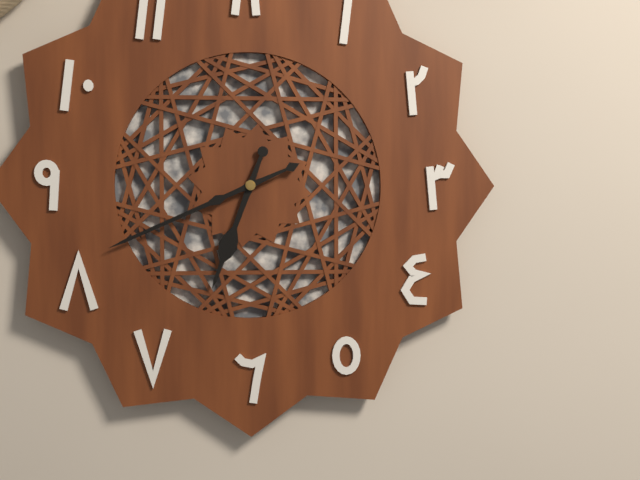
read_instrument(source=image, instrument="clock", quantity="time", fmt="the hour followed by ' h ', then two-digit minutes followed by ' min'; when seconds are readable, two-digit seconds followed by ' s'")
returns 6 h 41 min
